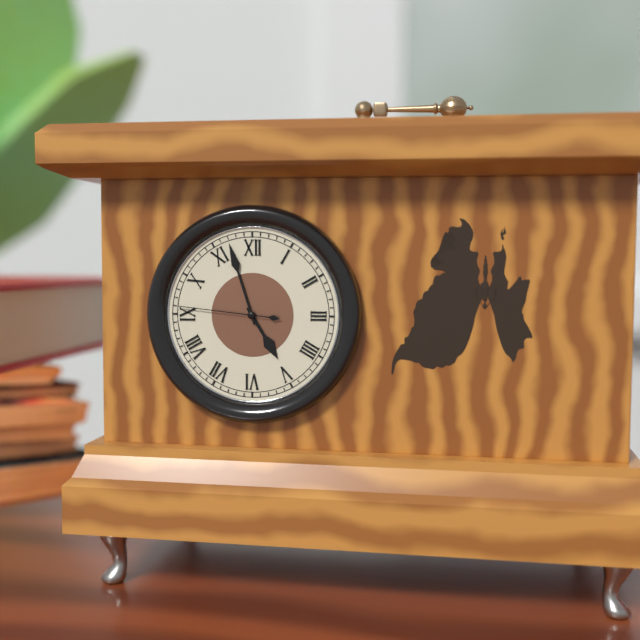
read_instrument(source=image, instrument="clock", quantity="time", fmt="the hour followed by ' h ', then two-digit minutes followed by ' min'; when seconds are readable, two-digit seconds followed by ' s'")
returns 4 h 57 min 46 s
